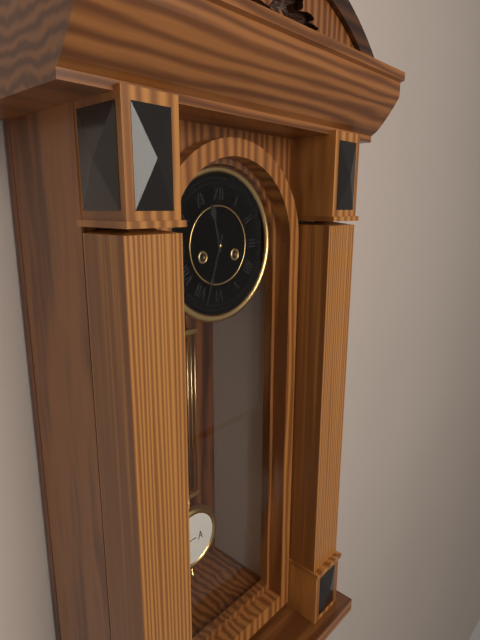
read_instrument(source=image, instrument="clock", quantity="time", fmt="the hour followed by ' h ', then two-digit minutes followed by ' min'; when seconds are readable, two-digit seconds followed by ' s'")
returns 11 h 33 min
